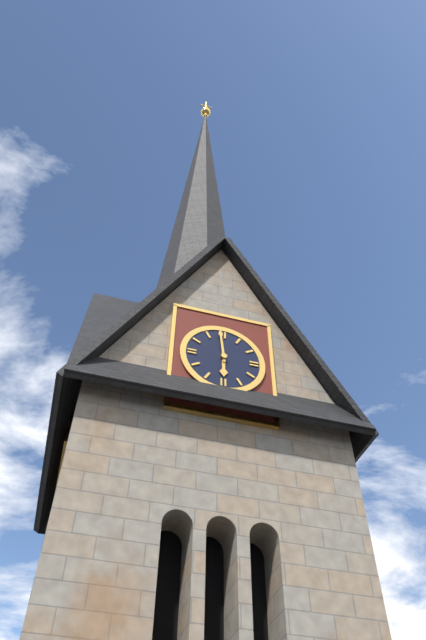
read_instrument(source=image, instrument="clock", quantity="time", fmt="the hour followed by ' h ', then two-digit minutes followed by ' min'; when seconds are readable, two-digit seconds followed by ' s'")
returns 5 h 59 min
